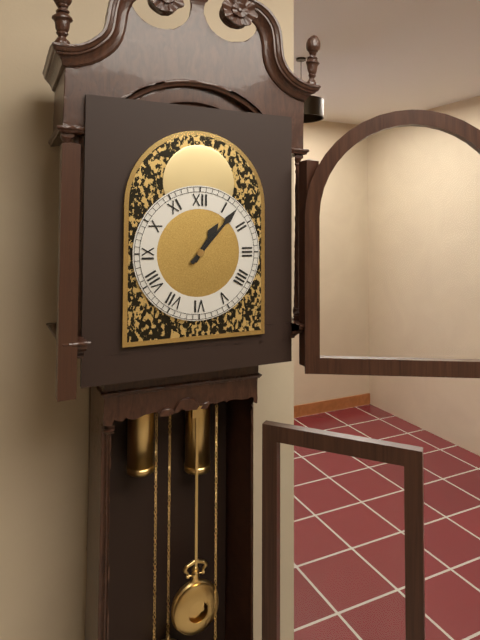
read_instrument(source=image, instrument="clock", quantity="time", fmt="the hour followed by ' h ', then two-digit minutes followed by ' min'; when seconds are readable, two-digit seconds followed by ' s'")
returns 1 h 07 min
